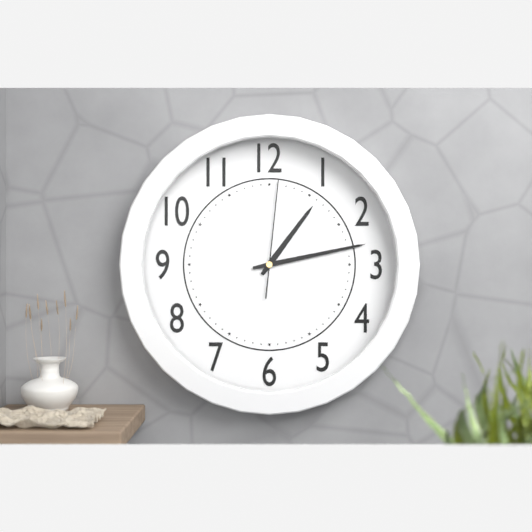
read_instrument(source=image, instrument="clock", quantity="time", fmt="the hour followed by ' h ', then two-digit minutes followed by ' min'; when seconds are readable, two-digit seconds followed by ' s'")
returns 1 h 13 min 01 s
